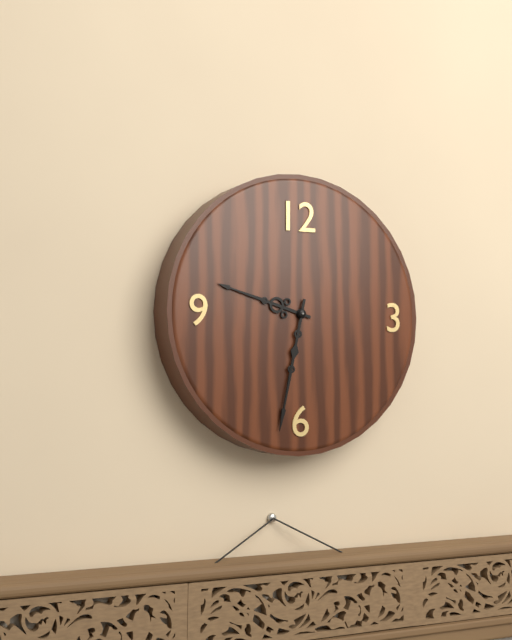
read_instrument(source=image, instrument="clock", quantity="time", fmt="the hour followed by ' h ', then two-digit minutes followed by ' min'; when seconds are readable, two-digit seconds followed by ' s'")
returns 9 h 32 min
